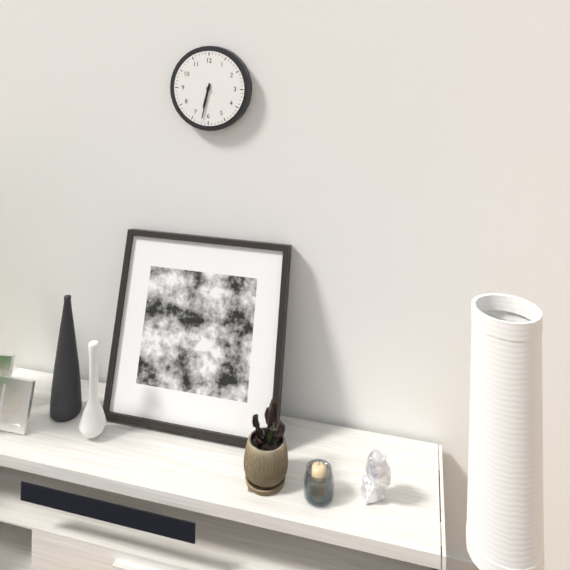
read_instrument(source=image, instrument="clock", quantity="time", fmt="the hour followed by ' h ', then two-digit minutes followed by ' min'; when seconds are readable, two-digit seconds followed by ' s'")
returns 6 h 32 min
